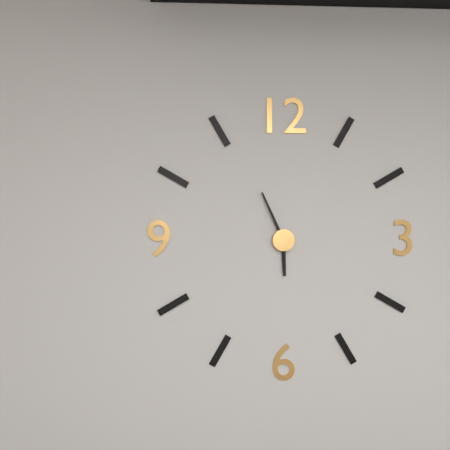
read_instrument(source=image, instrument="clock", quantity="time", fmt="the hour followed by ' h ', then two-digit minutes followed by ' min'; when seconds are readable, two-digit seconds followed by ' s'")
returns 5 h 56 min
